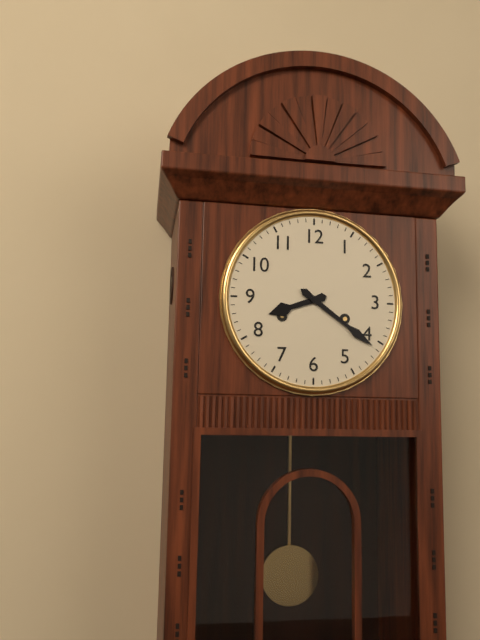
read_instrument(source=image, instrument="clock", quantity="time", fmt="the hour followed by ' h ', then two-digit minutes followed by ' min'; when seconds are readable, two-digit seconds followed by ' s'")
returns 8 h 21 min
